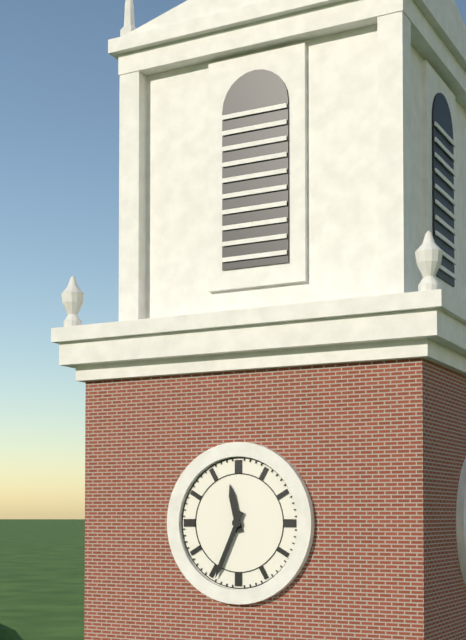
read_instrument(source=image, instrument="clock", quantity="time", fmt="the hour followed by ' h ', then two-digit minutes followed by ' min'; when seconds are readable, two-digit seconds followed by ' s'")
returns 11 h 34 min
